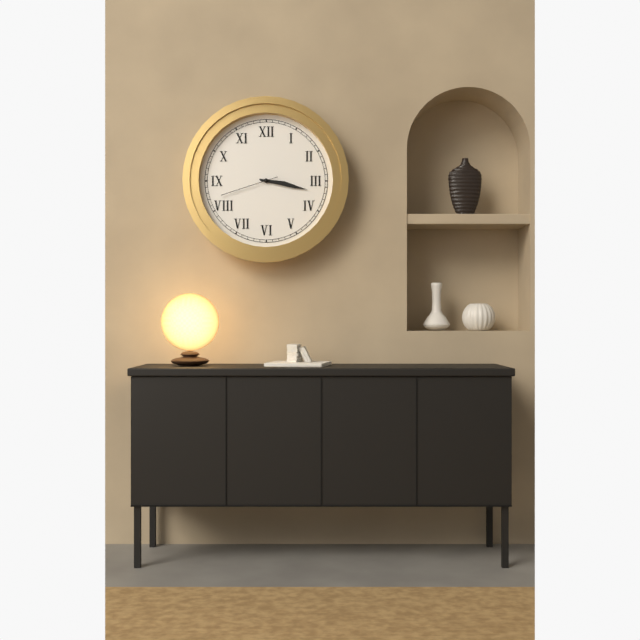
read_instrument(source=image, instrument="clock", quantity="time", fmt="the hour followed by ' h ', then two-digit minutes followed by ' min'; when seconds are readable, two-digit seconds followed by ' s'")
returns 3 h 17 min 42 s
